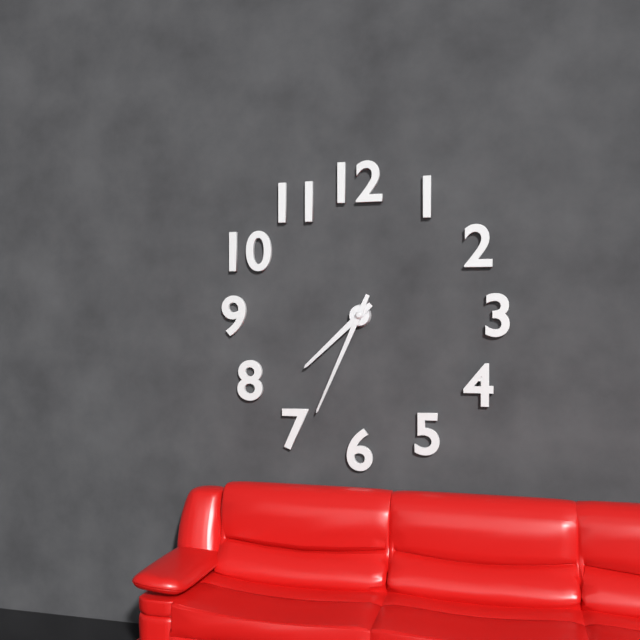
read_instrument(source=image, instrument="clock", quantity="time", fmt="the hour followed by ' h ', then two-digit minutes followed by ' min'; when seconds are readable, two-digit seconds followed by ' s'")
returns 7 h 34 min
